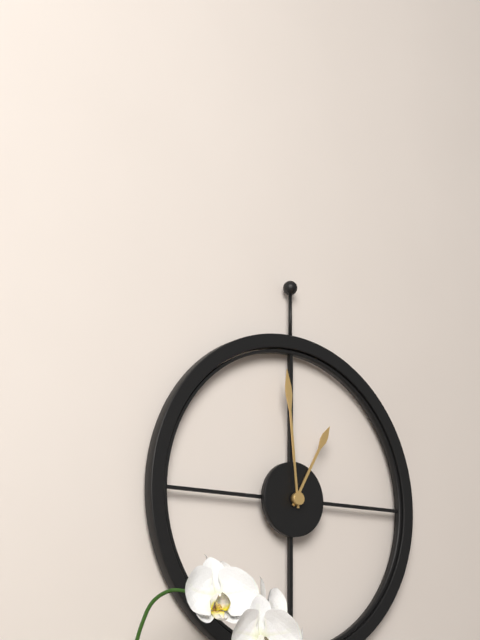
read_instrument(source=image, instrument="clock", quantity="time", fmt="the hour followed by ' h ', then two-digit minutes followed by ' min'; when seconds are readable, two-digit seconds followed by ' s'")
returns 12 h 59 min
